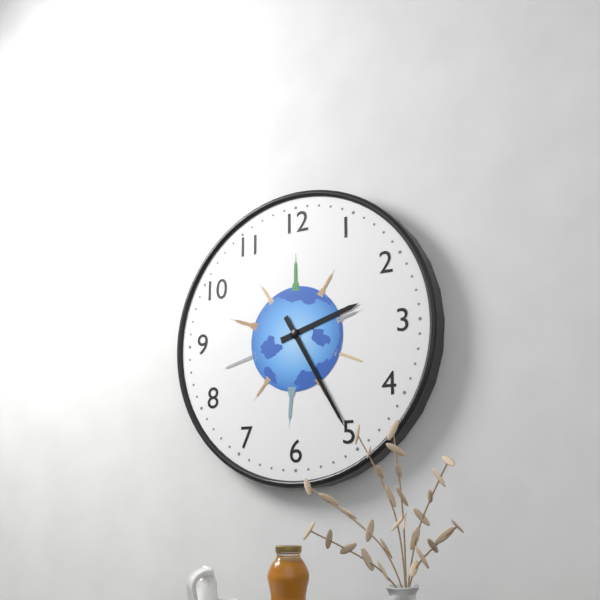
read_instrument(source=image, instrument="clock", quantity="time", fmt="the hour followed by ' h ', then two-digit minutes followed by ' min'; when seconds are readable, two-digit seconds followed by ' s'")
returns 2 h 25 min
